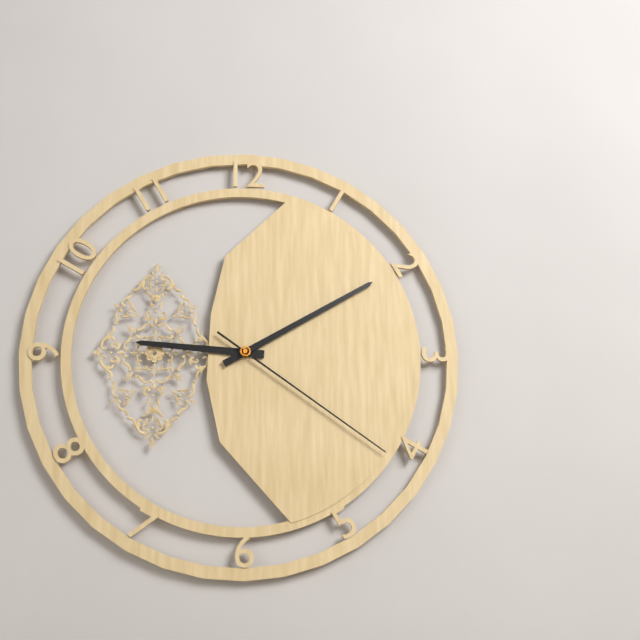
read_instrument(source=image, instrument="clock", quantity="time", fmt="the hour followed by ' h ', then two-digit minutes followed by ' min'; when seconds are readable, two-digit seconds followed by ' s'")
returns 9 h 10 min 21 s
